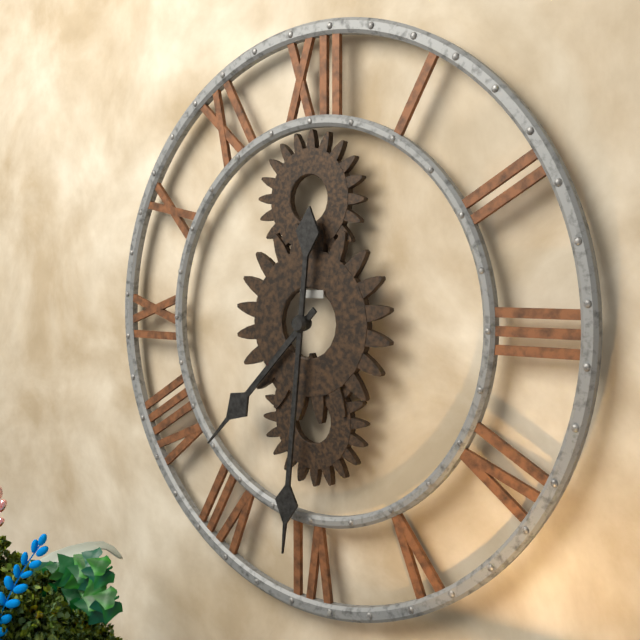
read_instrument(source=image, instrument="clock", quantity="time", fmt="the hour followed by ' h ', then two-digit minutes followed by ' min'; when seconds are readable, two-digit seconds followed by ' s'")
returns 7 h 31 min
